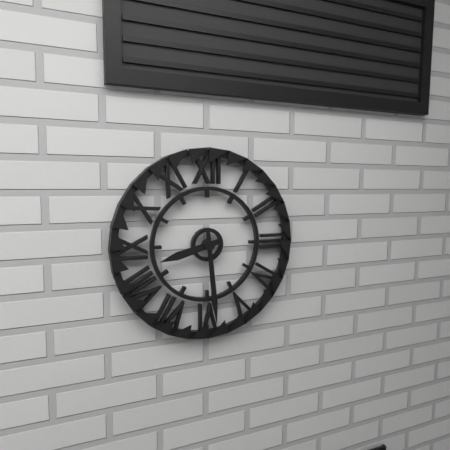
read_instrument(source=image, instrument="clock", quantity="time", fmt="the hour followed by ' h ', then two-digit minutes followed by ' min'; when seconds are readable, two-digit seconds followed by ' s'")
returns 8 h 29 min
